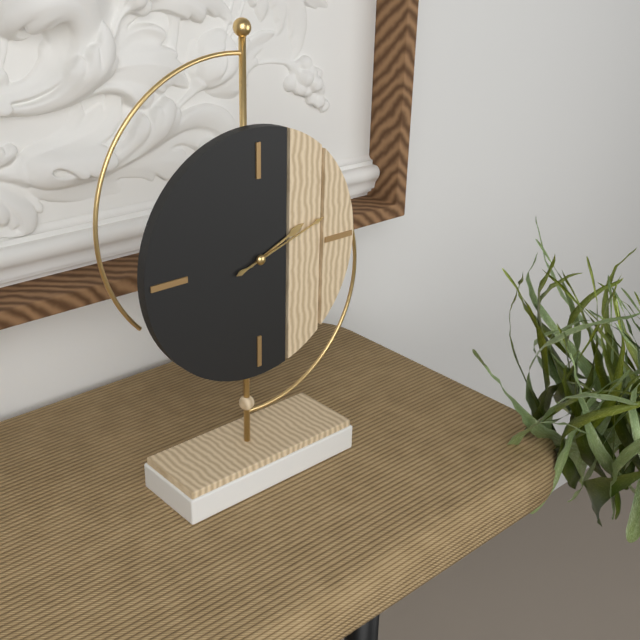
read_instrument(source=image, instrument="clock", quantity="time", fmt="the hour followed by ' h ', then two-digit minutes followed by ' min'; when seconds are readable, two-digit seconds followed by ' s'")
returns 2 h 12 min
